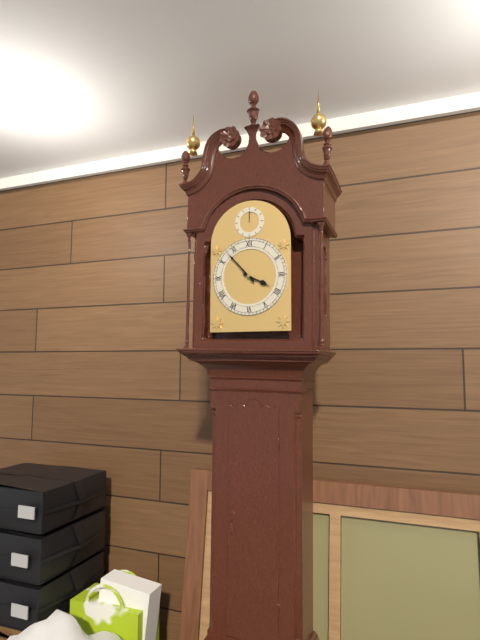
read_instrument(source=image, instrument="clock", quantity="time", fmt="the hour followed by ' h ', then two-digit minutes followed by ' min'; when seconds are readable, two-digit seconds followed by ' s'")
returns 3 h 53 min
